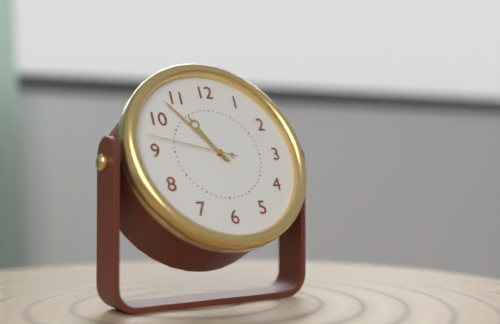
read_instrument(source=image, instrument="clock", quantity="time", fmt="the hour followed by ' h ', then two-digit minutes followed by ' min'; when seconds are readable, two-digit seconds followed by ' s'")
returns 10 h 53 min 47 s
